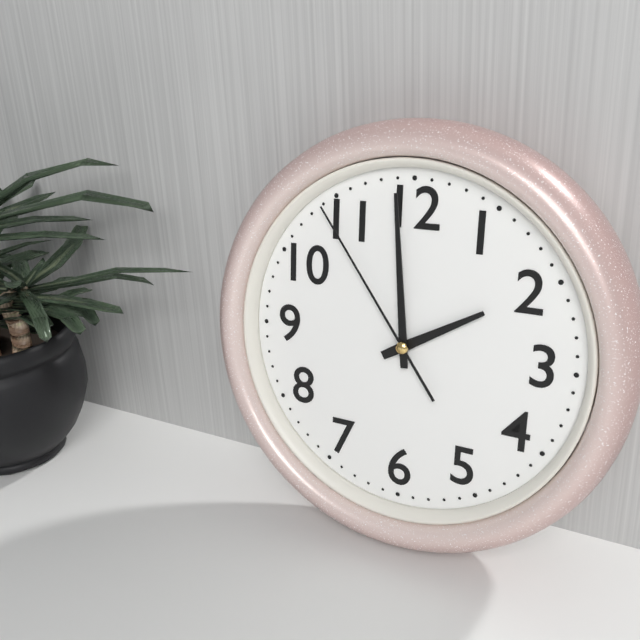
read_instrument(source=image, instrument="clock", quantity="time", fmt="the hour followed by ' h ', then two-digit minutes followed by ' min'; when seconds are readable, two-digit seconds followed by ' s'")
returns 1 h 59 min 54 s
